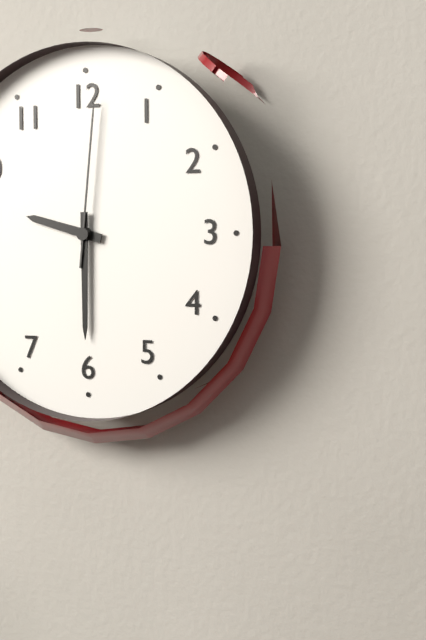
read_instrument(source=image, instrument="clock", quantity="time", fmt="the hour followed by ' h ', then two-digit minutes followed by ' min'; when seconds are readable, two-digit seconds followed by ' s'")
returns 9 h 30 min 01 s
